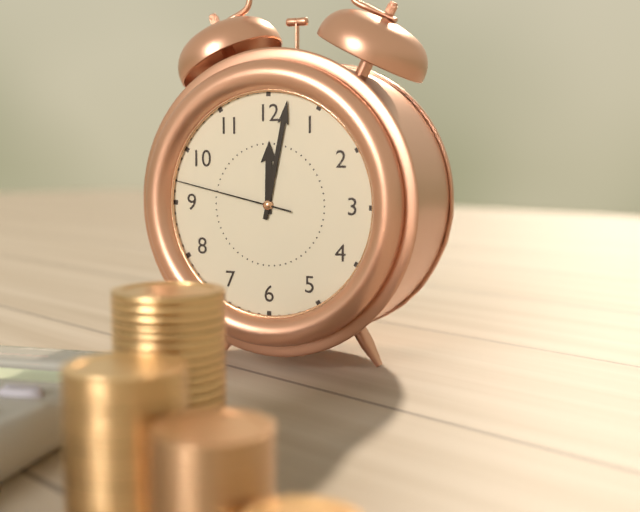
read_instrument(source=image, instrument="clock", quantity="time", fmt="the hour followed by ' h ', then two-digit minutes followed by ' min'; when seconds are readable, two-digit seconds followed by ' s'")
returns 12 h 02 min 47 s
